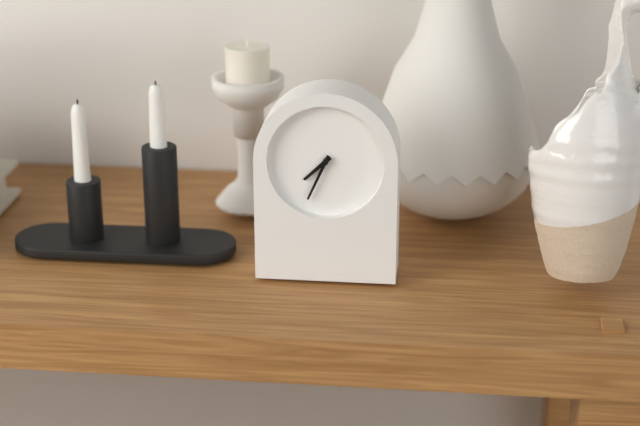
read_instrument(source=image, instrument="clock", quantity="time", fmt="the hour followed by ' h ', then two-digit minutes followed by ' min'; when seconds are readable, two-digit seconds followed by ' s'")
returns 7 h 34 min
